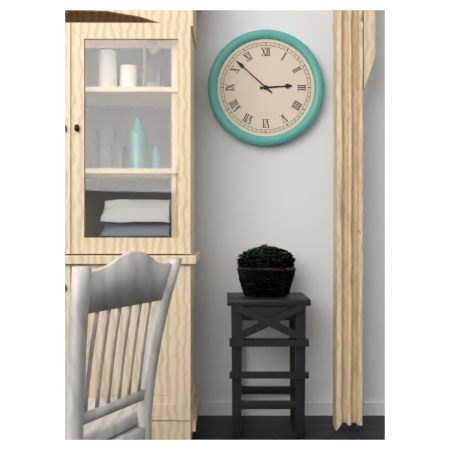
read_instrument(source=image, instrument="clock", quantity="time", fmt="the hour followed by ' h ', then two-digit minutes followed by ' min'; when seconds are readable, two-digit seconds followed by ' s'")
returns 2 h 52 min
